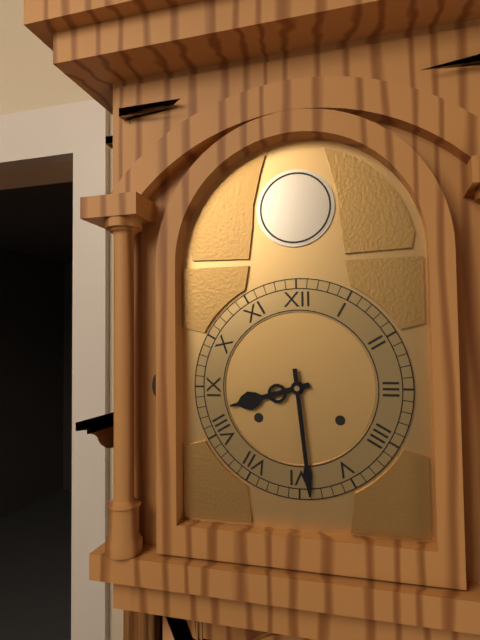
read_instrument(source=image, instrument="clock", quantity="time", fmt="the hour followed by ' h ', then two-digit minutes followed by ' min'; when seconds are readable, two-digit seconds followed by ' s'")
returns 8 h 29 min
